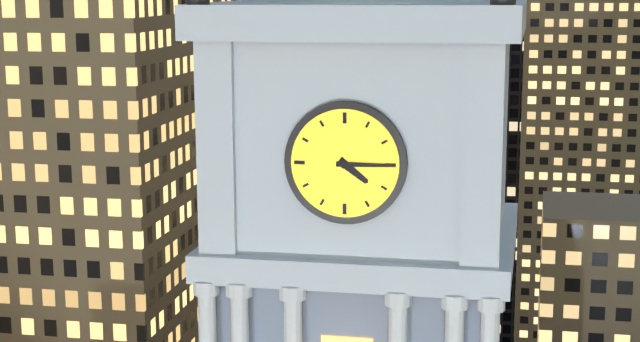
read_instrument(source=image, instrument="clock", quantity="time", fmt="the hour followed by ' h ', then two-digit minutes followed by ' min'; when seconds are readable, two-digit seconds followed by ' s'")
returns 4 h 15 min
